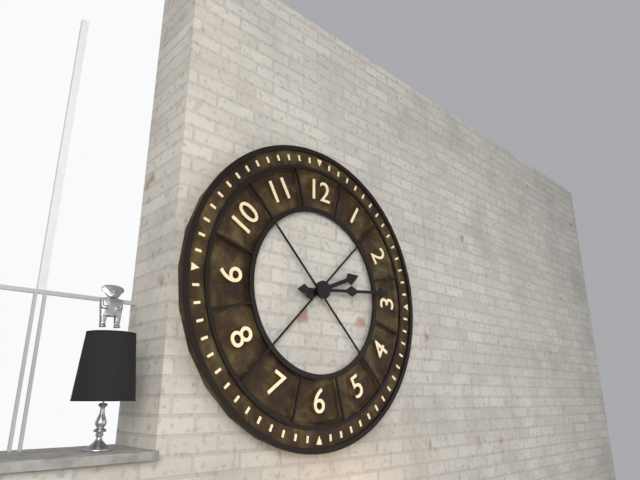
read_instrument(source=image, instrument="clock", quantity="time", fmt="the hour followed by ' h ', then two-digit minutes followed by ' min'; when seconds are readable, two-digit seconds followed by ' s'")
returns 2 h 14 min
